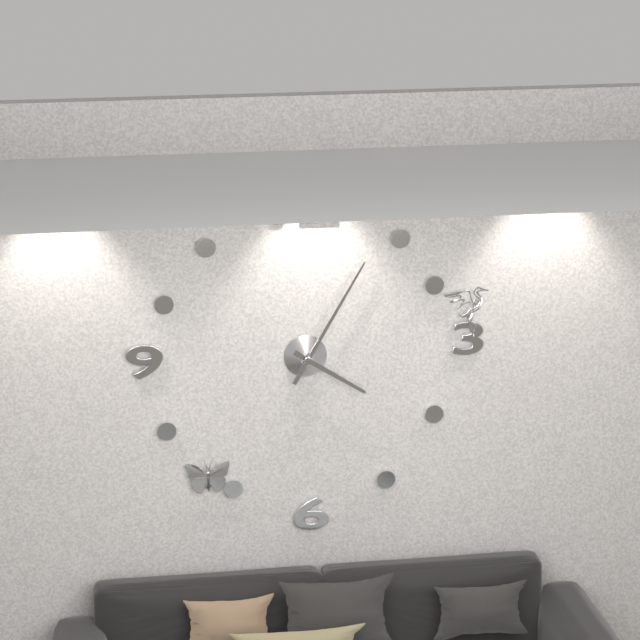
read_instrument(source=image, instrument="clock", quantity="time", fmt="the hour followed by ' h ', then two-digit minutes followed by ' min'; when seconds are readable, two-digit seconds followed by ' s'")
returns 4 h 05 min
